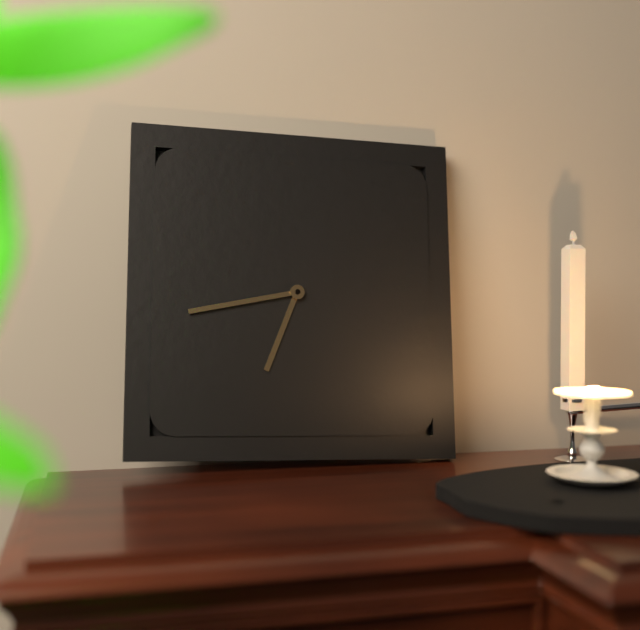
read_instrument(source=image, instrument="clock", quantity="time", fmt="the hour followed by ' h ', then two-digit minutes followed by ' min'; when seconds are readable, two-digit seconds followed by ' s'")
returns 6 h 43 min
